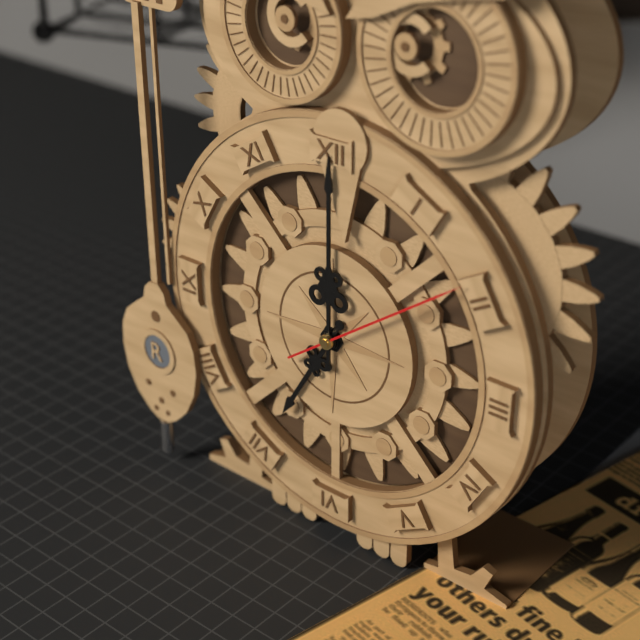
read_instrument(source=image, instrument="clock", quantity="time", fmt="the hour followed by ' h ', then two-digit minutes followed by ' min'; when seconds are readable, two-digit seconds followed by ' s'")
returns 7 h 00 min 09 s
